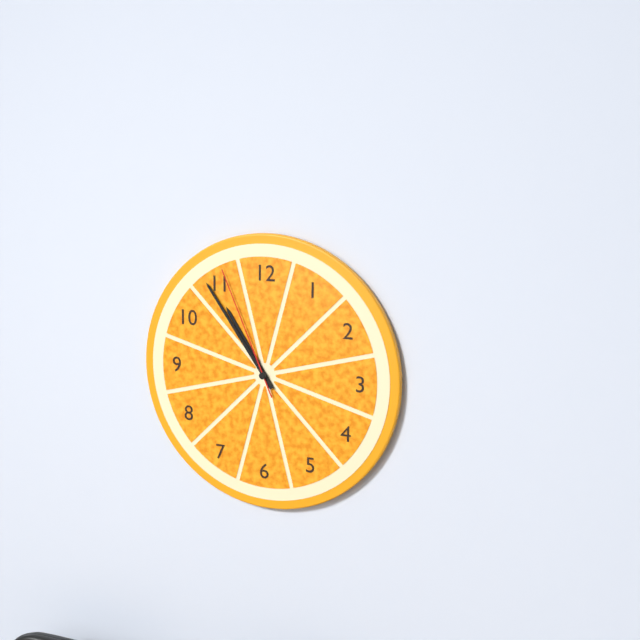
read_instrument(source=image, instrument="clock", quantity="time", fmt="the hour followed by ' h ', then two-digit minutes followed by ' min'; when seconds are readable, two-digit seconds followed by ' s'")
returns 10 h 54 min 56 s
